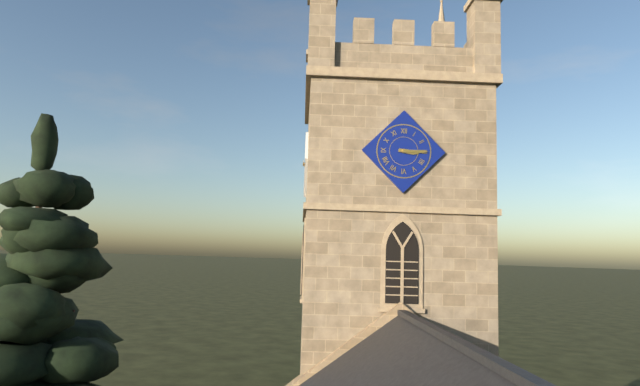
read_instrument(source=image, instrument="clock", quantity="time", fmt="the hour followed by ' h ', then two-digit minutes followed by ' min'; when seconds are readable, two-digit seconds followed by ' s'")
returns 3 h 15 min
